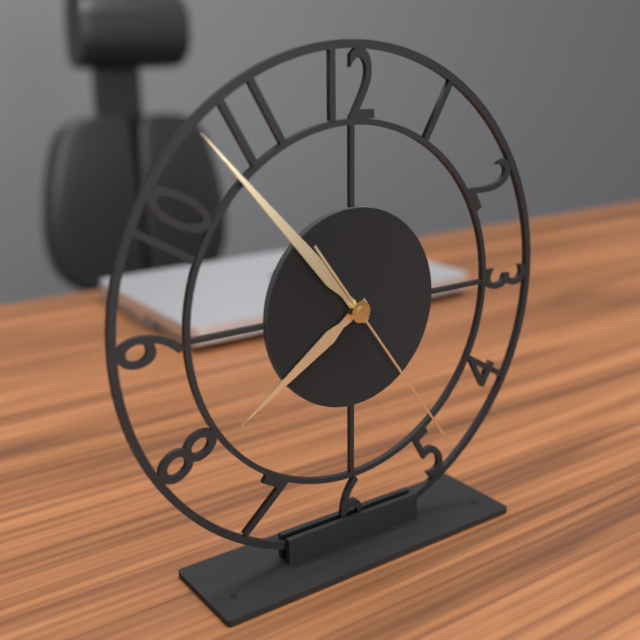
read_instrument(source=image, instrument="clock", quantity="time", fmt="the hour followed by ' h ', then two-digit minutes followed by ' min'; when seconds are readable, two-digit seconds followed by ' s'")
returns 7 h 53 min 24 s
